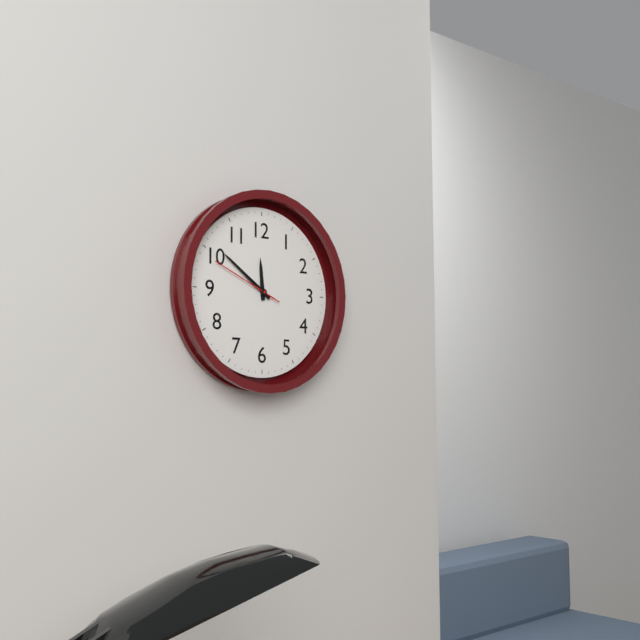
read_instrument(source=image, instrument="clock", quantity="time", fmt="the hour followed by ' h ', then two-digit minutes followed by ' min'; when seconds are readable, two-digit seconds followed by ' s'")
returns 11 h 51 min 49 s
